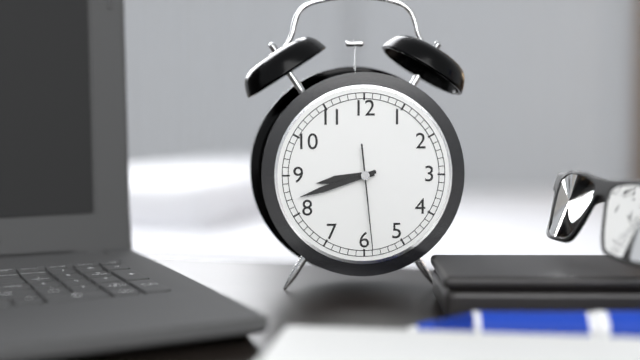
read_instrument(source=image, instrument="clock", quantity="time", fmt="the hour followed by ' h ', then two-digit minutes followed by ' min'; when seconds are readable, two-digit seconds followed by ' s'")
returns 8 h 42 min 29 s
